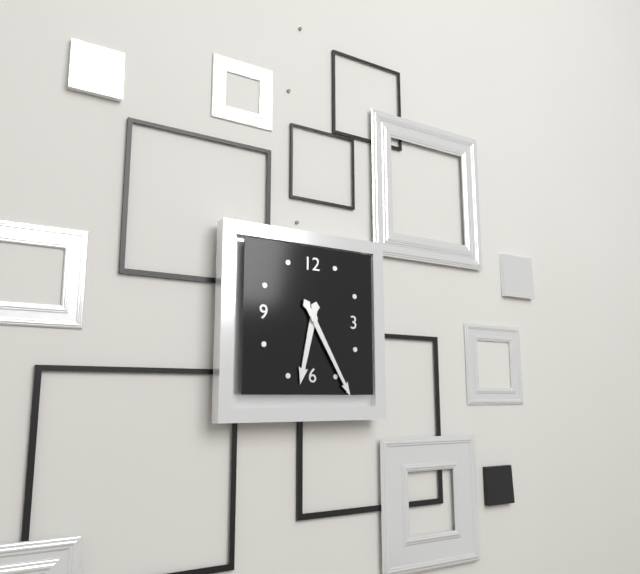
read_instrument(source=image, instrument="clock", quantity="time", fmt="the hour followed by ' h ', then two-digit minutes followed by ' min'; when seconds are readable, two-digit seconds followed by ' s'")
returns 6 h 25 min
